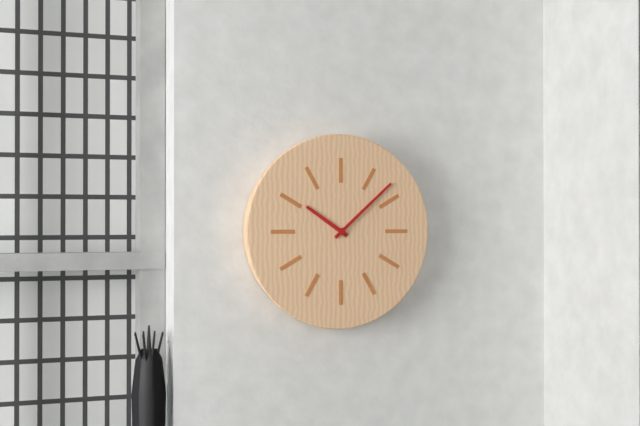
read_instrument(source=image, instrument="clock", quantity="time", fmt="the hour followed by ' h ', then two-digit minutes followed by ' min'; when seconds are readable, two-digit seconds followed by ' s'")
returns 10 h 08 min
